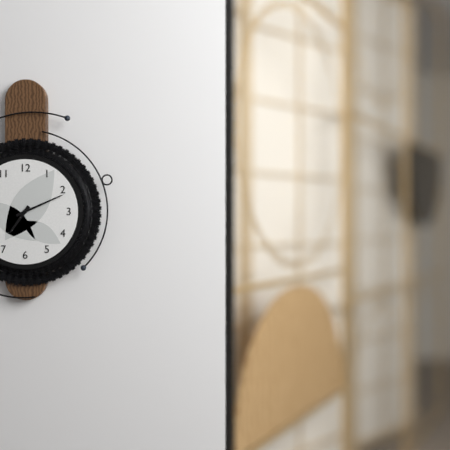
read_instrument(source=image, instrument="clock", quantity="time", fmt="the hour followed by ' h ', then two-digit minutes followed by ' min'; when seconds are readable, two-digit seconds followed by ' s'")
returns 7 h 11 min
